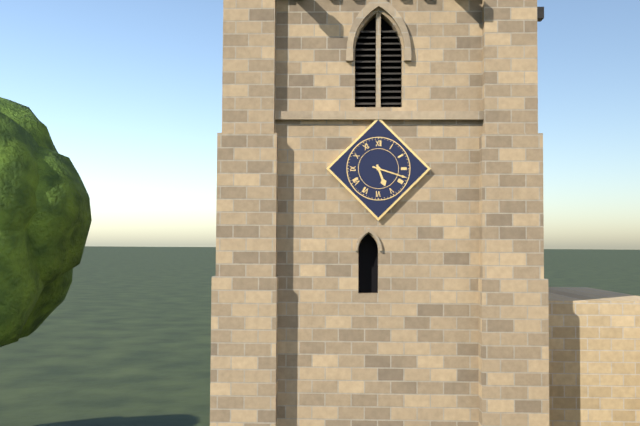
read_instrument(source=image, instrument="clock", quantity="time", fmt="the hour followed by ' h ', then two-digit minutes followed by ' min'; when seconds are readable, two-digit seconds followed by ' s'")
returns 5 h 18 min
